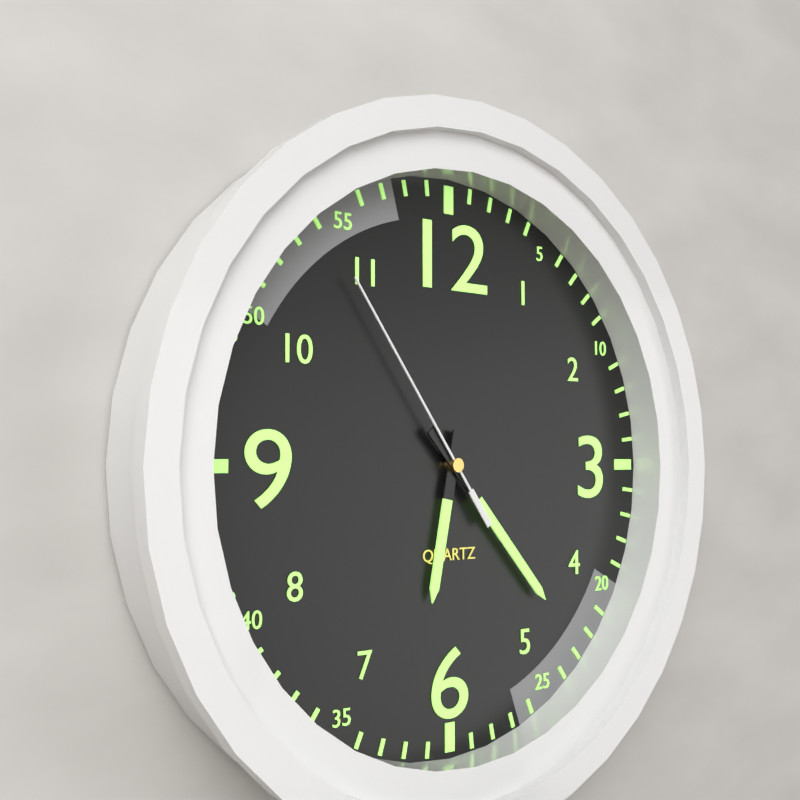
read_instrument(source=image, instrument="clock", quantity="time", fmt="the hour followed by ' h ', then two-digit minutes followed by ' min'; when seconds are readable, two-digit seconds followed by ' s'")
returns 6 h 23 min 54 s
